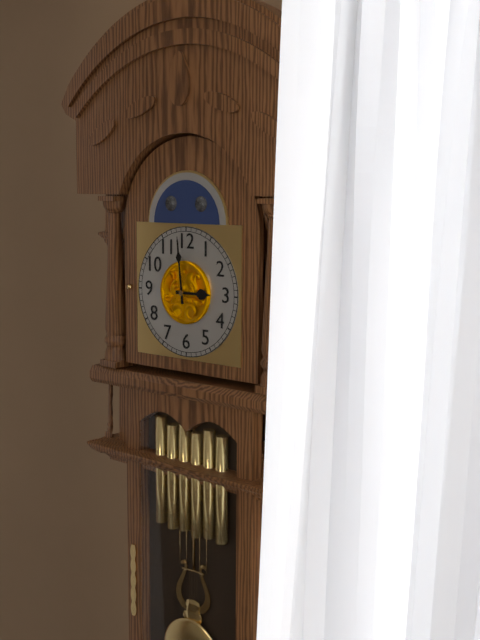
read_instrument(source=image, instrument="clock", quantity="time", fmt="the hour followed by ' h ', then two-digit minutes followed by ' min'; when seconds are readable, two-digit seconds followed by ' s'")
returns 2 h 59 min
